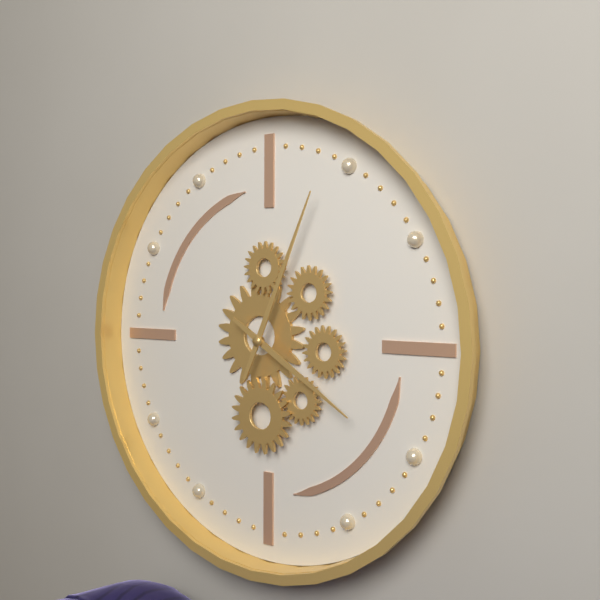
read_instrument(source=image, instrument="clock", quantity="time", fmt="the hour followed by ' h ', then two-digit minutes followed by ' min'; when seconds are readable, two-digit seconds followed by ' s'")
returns 4 h 04 min
